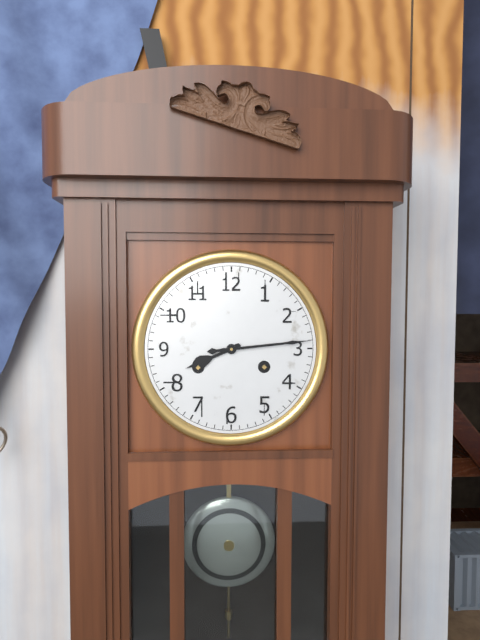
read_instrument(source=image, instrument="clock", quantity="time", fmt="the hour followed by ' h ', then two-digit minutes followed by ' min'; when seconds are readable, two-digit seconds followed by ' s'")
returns 8 h 14 min
